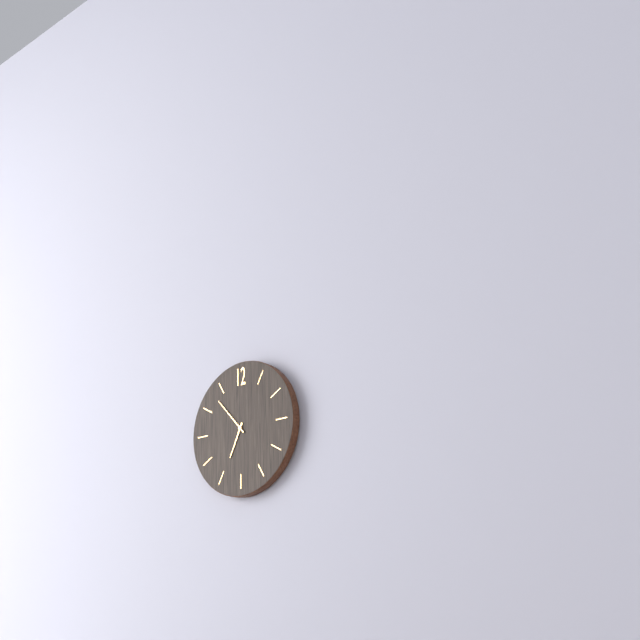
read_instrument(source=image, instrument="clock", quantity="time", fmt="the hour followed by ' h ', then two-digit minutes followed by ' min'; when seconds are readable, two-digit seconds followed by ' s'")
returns 6 h 53 min
